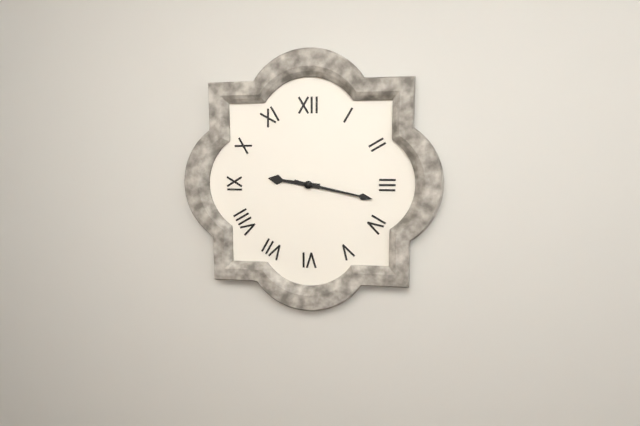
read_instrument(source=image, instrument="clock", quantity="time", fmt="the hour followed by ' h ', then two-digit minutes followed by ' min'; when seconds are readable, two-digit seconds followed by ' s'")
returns 9 h 17 min
